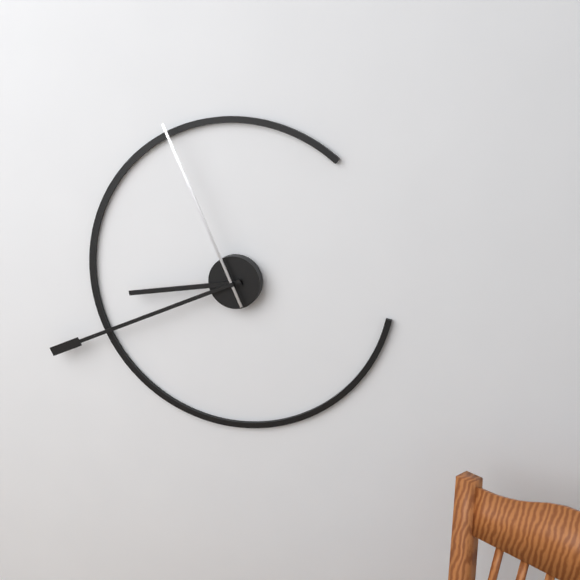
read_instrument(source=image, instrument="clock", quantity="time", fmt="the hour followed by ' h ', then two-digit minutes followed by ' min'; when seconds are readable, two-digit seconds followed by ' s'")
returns 8 h 41 min 56 s
